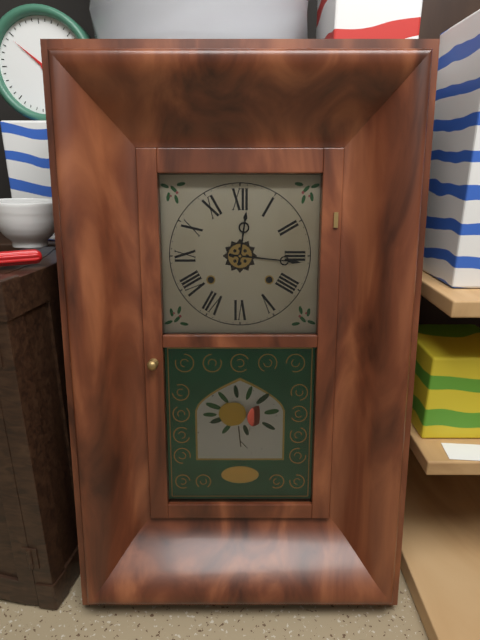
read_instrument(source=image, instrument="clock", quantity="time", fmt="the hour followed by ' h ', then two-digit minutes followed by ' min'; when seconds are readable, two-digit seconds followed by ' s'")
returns 12 h 16 min
